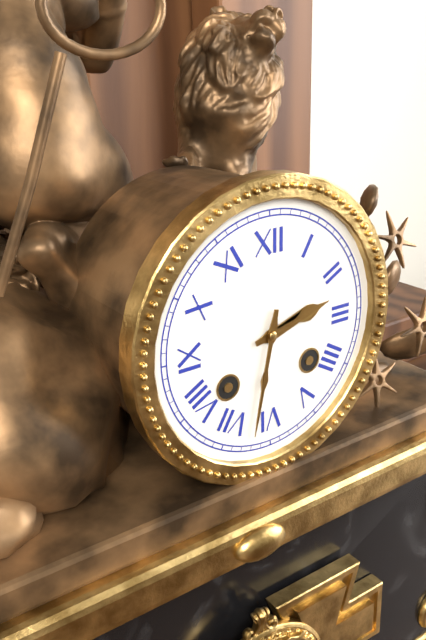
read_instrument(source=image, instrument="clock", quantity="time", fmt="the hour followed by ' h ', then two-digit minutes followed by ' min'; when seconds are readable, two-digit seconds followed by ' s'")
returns 2 h 32 min
